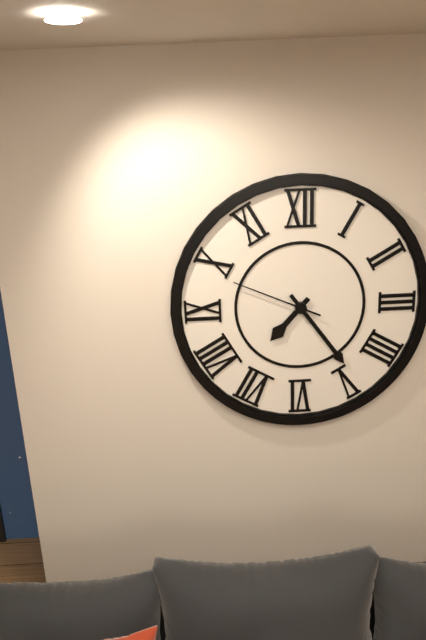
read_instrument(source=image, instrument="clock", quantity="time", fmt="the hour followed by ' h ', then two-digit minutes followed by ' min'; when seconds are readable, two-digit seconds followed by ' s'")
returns 7 h 24 min 49 s
